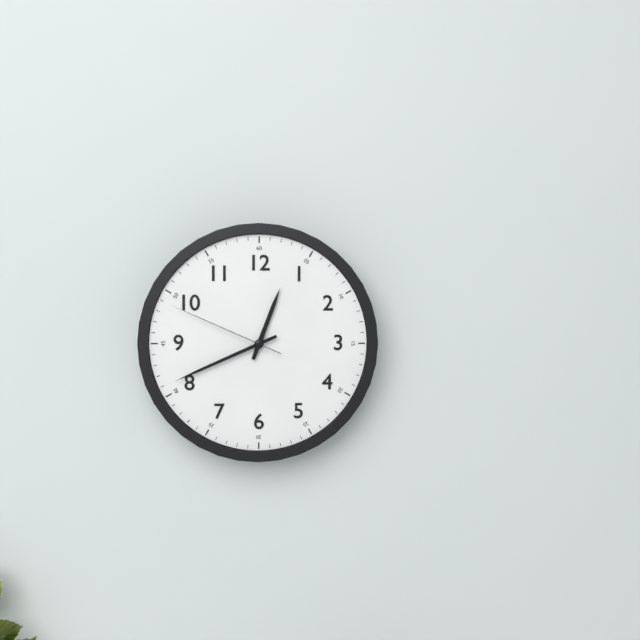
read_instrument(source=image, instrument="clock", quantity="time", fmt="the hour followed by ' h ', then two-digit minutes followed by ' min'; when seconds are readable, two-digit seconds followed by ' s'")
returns 12 h 41 min 49 s
